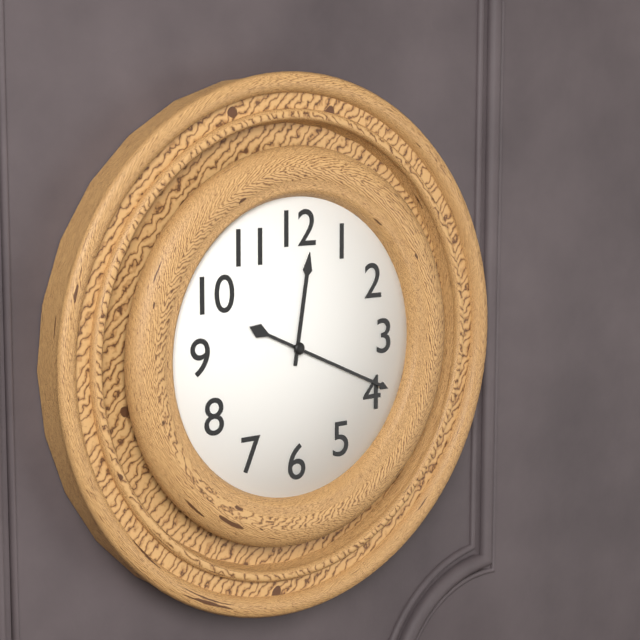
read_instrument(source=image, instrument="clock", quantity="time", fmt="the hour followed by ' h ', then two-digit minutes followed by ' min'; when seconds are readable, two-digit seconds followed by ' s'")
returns 12 h 19 min
